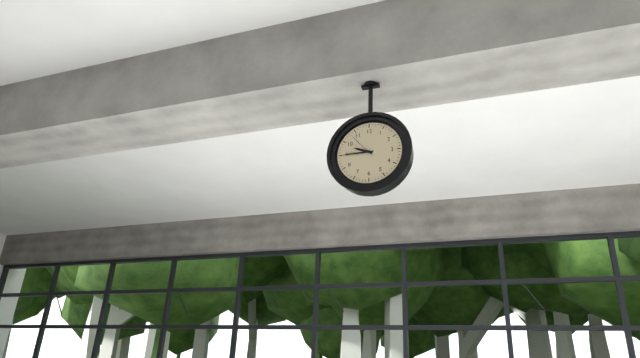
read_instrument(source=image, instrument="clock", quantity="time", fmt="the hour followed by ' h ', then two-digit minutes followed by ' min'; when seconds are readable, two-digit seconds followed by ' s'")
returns 9 h 45 min
